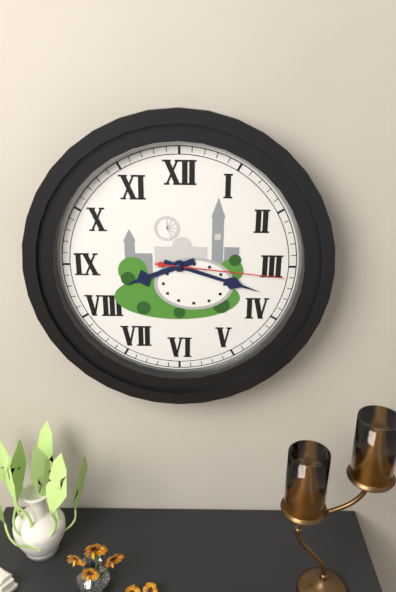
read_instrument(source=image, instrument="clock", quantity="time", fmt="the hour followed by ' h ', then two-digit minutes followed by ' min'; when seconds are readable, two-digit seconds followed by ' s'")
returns 8 h 18 min 16 s
